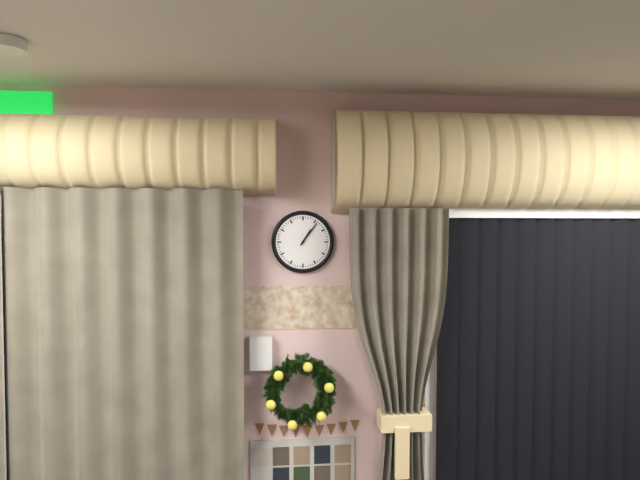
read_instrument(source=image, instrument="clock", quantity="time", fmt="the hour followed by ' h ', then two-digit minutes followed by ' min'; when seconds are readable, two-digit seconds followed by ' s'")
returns 1 h 06 min
